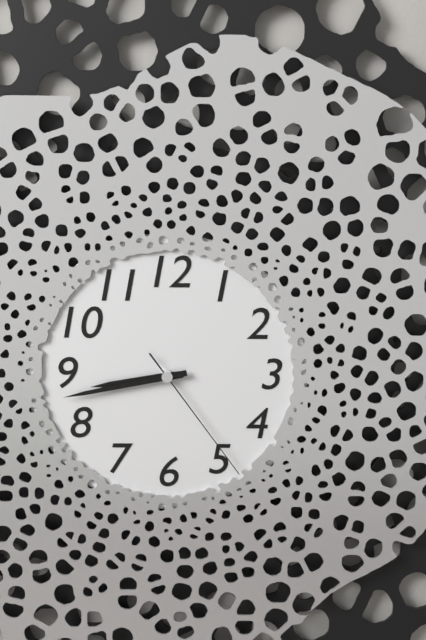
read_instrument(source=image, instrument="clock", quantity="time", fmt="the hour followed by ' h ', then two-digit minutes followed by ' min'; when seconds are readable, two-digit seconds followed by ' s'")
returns 8 h 43 min 24 s
